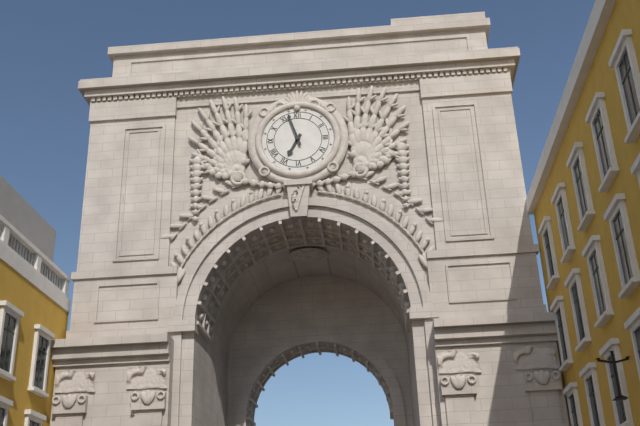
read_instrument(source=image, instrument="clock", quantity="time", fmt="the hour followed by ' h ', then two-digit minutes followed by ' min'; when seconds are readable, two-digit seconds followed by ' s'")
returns 6 h 57 min
